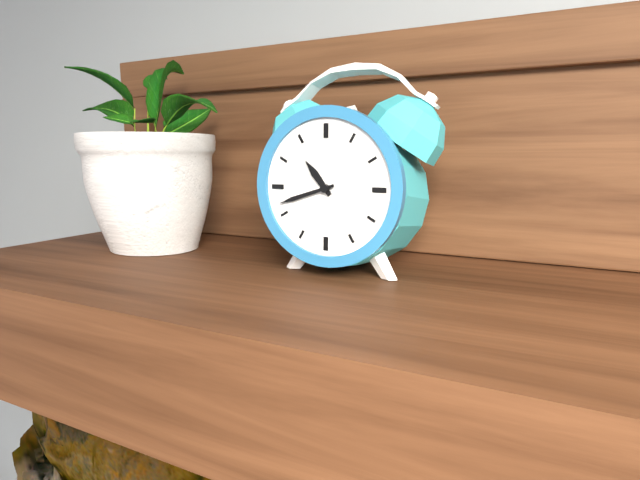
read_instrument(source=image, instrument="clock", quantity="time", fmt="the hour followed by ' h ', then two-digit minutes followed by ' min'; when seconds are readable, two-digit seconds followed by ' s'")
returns 10 h 42 min
